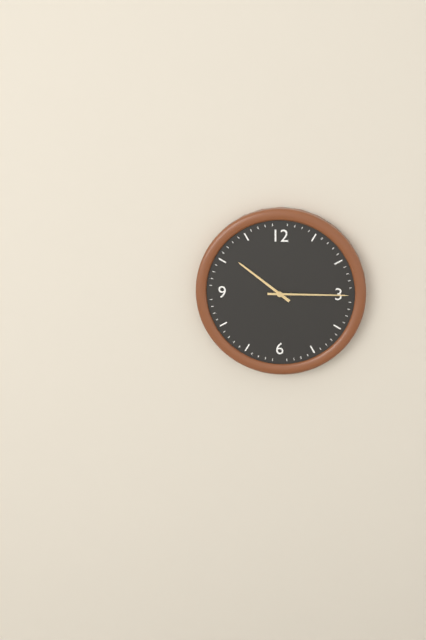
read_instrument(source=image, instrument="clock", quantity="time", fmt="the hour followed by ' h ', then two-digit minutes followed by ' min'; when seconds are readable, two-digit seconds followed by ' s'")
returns 10 h 15 min
